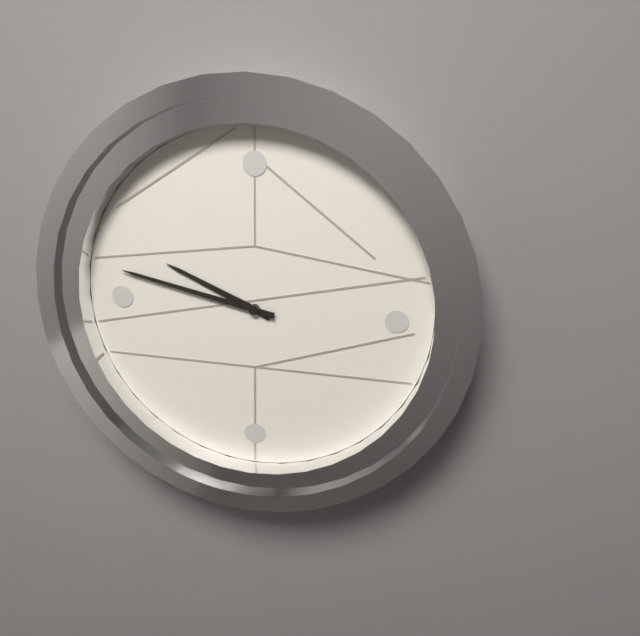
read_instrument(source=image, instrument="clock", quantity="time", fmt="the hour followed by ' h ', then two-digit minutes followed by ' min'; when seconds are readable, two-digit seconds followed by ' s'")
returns 9 h 47 min
